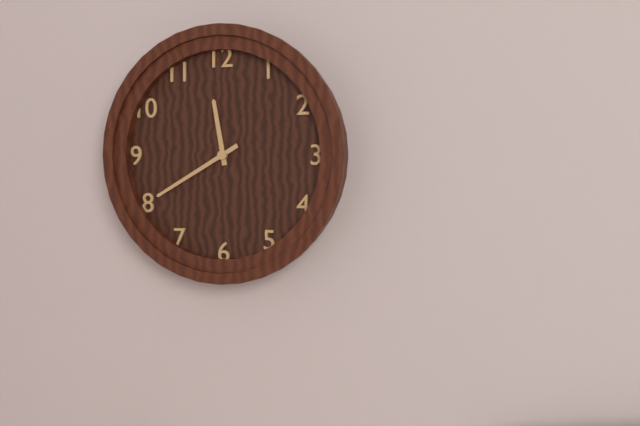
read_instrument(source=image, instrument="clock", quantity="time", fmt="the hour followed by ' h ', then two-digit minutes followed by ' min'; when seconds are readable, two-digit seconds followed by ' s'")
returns 11 h 40 min
